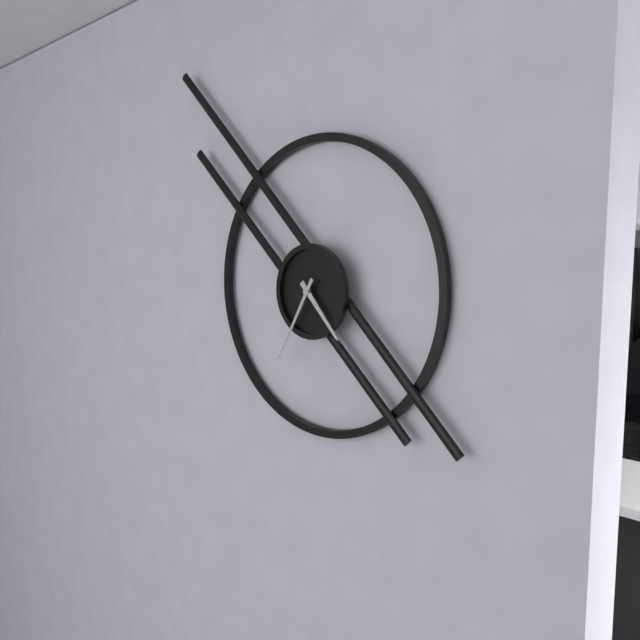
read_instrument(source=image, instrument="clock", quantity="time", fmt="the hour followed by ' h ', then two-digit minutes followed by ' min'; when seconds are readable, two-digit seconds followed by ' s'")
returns 4 h 35 min
